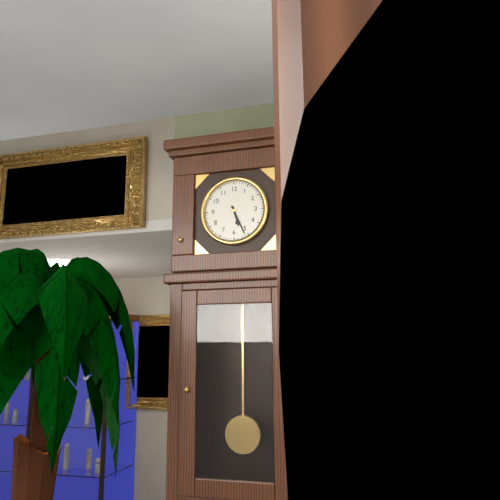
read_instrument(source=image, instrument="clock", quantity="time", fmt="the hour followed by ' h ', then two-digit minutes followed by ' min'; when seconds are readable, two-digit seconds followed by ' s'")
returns 5 h 26 min
